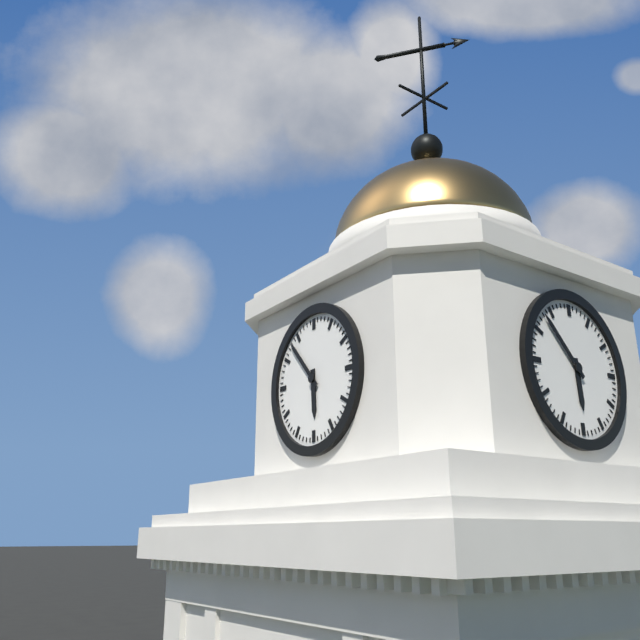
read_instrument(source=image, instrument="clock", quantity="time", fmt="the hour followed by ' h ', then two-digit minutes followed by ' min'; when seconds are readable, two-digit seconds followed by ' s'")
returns 5 h 53 min
